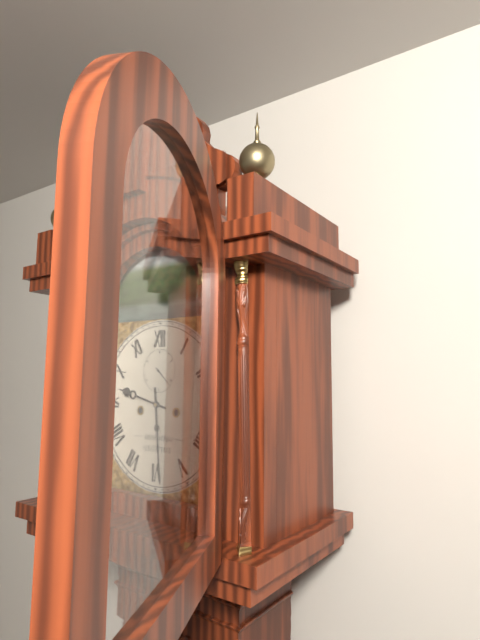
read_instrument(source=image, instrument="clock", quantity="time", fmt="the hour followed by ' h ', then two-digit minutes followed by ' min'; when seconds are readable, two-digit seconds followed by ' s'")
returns 9 h 29 min
